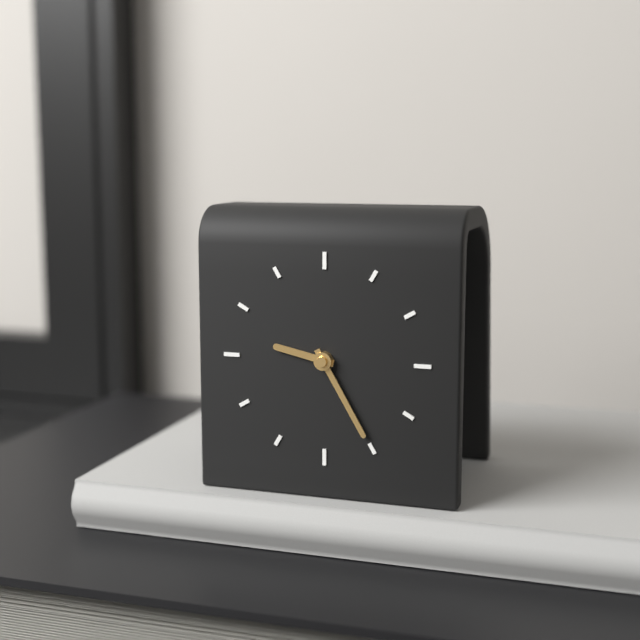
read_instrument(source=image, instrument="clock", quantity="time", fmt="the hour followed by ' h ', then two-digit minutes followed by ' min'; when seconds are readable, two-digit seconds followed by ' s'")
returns 9 h 25 min
